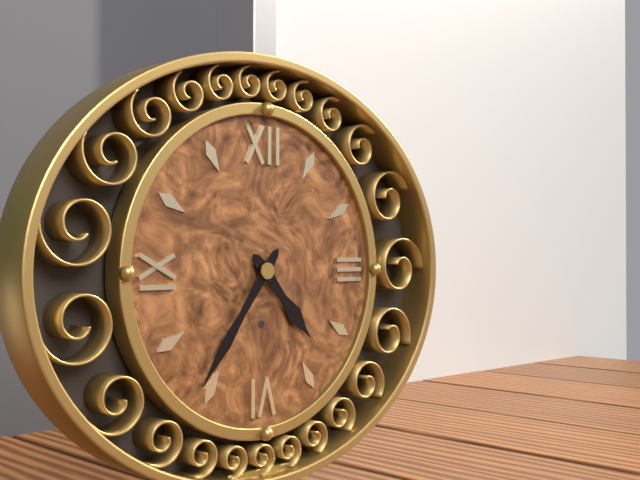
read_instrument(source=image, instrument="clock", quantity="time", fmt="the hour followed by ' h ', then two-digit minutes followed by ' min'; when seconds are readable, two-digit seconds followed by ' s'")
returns 4 h 36 min
